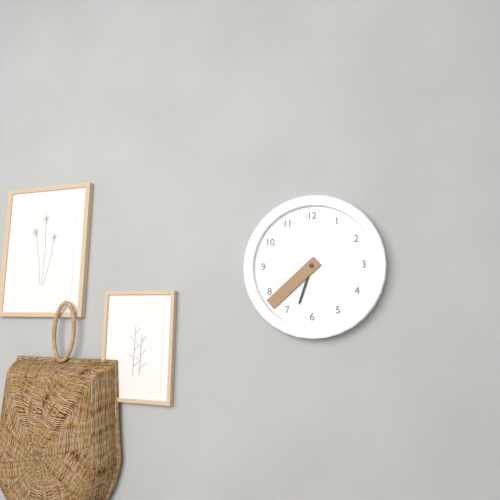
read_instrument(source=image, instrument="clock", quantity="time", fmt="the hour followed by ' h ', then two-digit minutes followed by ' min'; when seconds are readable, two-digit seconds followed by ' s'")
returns 6 h 38 min
